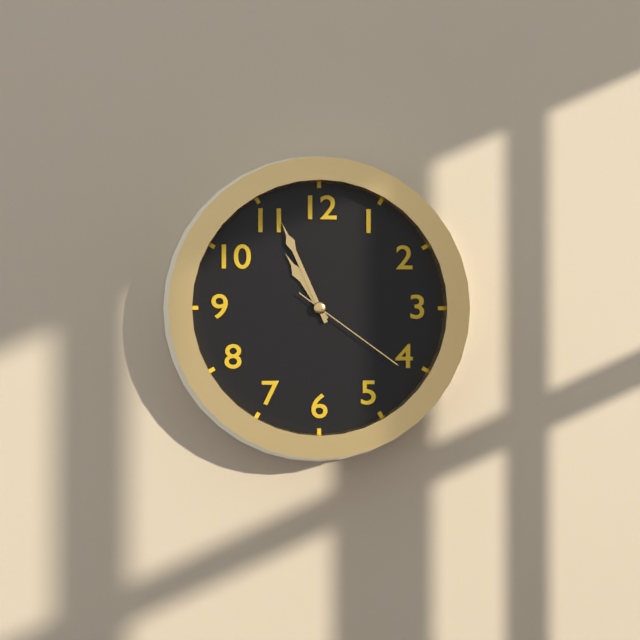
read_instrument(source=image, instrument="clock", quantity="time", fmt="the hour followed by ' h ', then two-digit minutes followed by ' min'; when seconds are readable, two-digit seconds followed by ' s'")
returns 10 h 56 min 21 s
